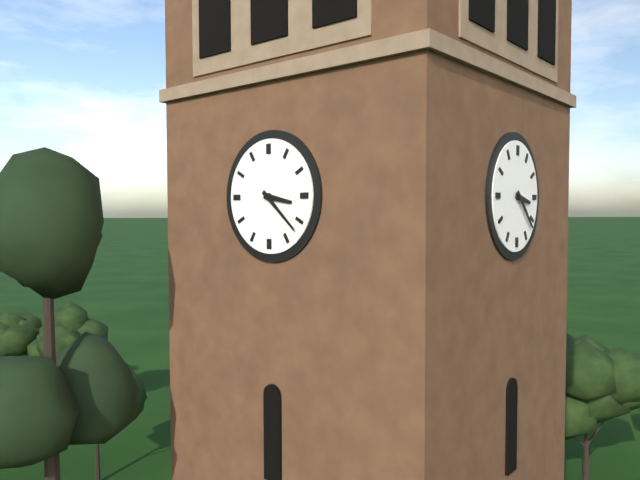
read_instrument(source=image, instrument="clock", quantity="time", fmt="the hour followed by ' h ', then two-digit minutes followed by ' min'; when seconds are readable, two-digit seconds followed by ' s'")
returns 3 h 22 min
